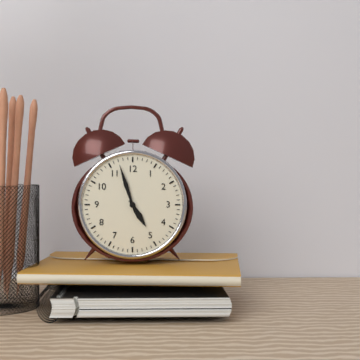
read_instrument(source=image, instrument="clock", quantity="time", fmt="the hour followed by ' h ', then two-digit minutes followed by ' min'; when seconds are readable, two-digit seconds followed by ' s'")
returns 4 h 57 min
